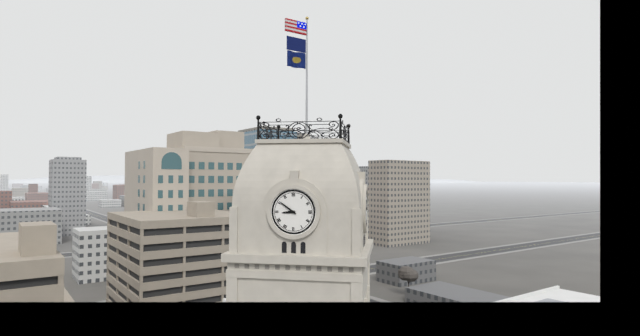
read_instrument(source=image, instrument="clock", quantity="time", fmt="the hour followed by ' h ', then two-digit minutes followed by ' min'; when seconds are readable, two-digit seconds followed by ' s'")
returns 8 h 51 min
